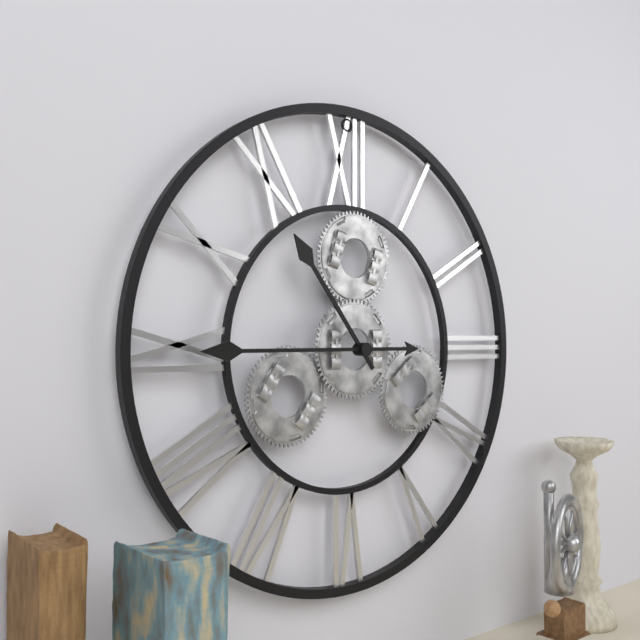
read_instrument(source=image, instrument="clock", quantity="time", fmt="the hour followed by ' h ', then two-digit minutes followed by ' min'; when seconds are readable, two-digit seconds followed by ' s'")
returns 10 h 45 min
